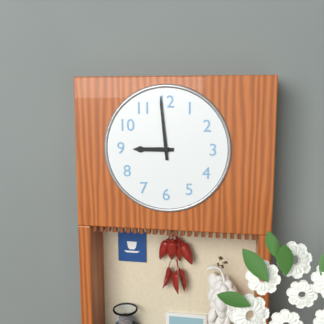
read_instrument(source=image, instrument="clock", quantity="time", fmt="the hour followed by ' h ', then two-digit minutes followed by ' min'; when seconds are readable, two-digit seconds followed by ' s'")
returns 8 h 59 min
